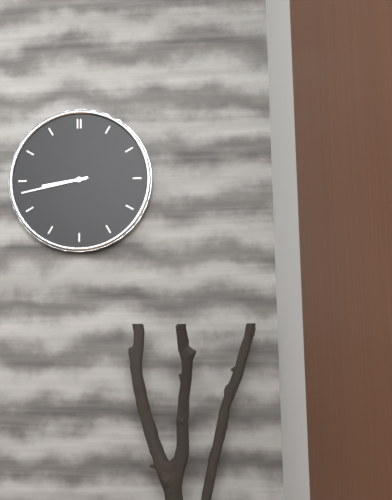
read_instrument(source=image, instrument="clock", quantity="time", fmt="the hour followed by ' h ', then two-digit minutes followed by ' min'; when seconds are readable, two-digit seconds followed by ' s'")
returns 8 h 43 min
